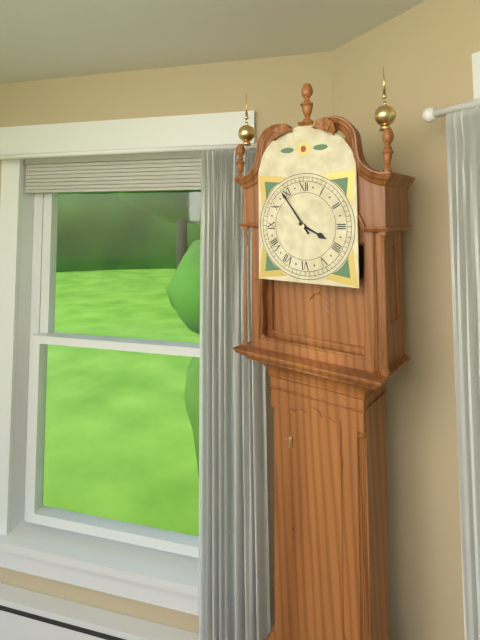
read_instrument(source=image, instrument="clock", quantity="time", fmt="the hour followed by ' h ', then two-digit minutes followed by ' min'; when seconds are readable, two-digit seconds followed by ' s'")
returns 3 h 54 min
